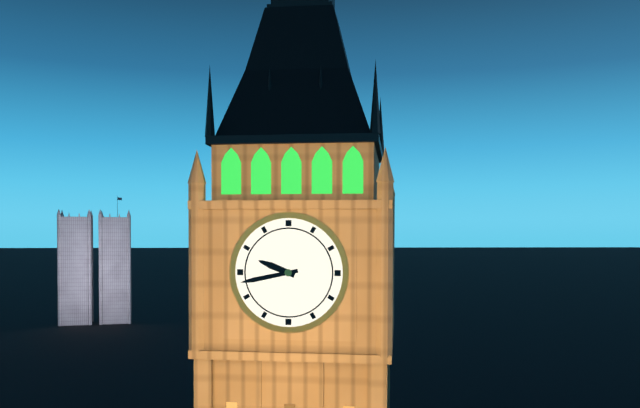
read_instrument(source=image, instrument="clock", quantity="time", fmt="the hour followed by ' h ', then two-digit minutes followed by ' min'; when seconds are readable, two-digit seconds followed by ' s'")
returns 9 h 43 min
